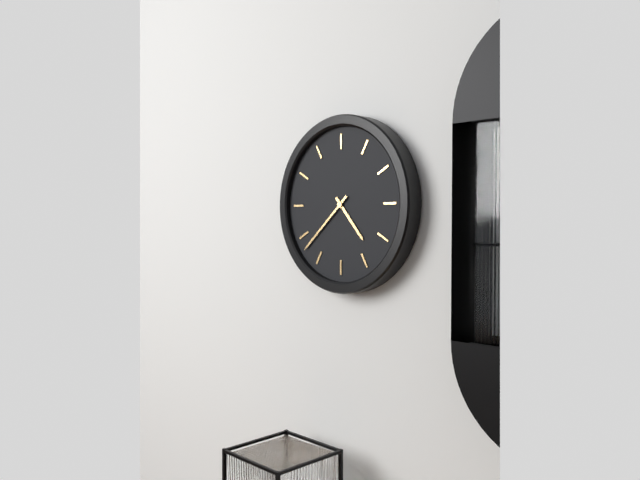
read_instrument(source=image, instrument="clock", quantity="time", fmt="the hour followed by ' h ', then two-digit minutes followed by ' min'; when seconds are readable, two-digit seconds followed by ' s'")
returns 4 h 38 min
